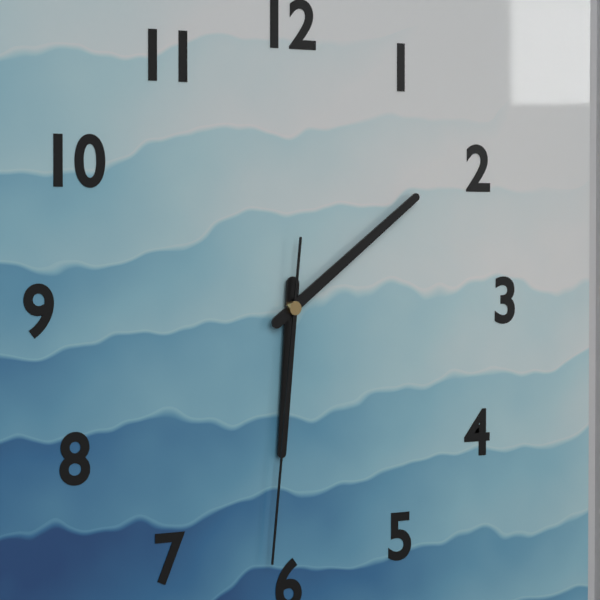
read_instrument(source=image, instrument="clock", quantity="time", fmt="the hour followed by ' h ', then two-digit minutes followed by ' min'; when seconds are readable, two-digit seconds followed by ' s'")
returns 6 h 09 min 31 s
